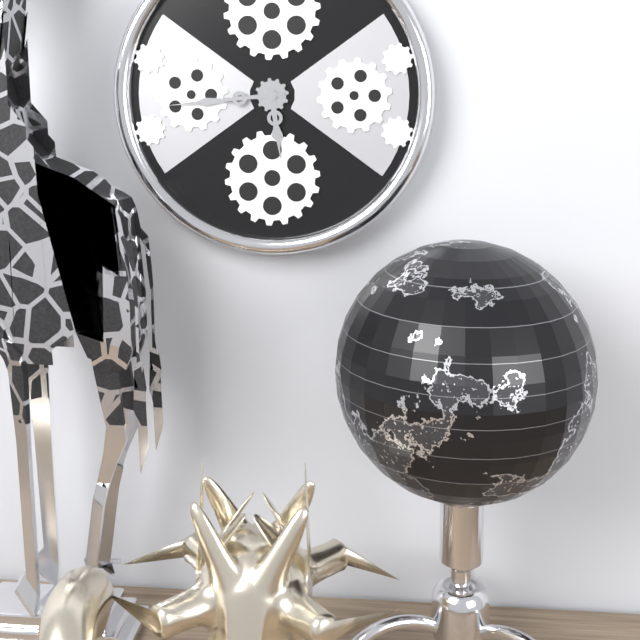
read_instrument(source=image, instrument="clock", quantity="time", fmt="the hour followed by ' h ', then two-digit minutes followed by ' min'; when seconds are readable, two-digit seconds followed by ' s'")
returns 5 h 44 min
